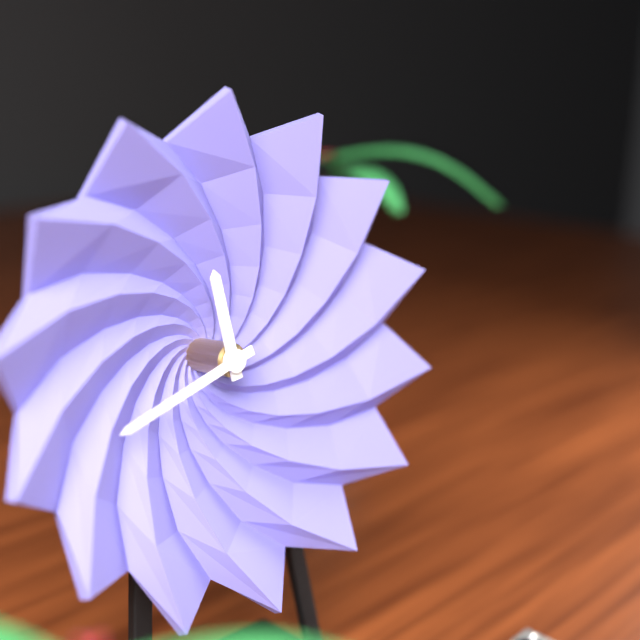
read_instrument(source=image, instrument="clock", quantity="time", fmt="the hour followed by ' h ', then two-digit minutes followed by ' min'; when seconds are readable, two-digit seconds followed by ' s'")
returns 11 h 42 min
